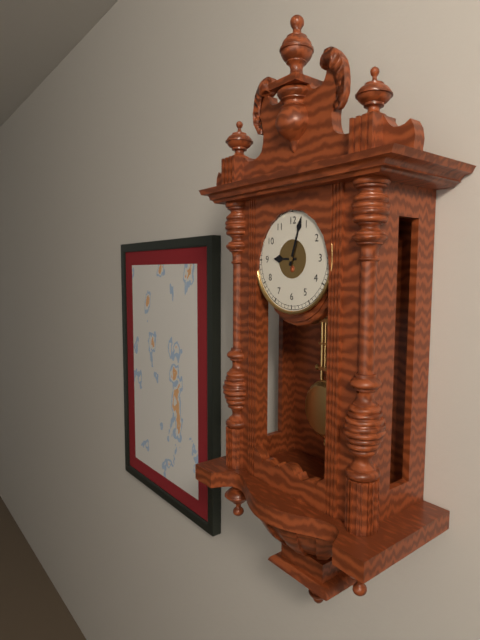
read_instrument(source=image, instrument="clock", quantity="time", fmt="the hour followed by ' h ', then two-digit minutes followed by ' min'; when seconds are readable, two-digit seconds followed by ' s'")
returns 9 h 03 min
